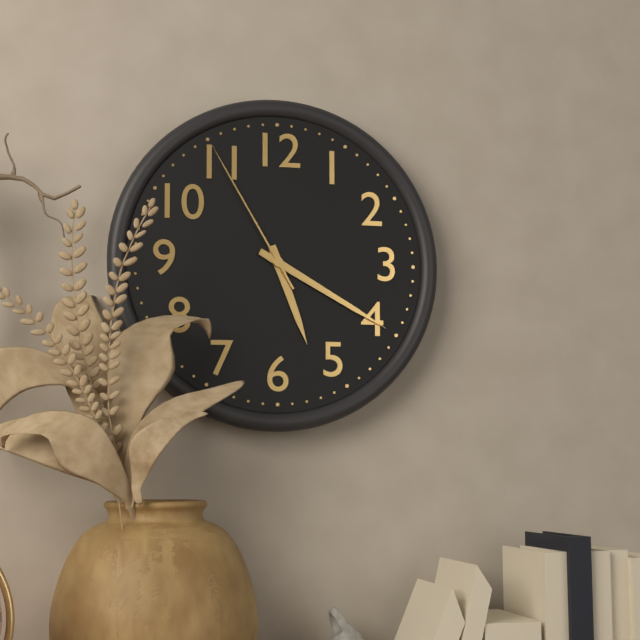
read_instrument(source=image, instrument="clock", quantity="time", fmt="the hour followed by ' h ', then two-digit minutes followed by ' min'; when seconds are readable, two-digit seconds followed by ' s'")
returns 5 h 20 min 55 s
